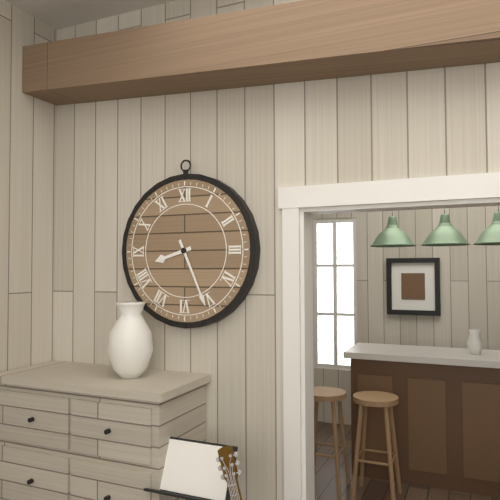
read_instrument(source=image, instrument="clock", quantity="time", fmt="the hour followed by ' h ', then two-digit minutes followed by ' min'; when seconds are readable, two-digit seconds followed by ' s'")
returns 8 h 26 min
